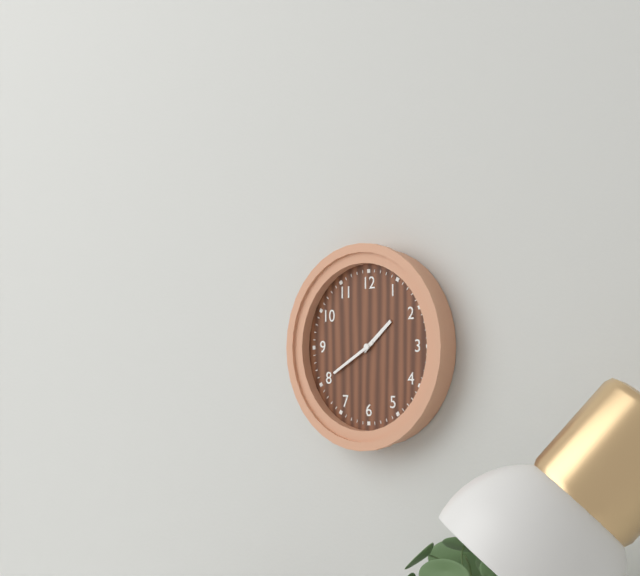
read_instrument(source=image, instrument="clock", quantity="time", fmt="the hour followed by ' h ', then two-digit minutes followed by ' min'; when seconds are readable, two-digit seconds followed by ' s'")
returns 1 h 40 min
